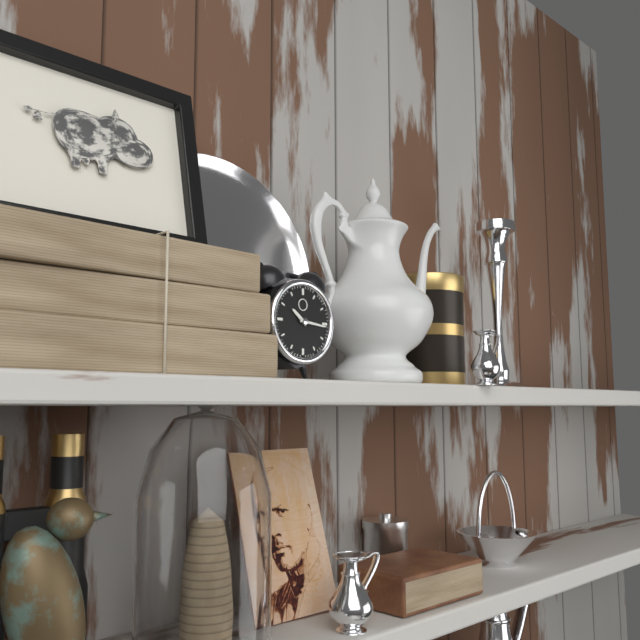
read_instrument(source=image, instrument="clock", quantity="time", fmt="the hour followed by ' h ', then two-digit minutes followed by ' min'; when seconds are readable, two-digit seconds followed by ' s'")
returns 10 h 16 min
